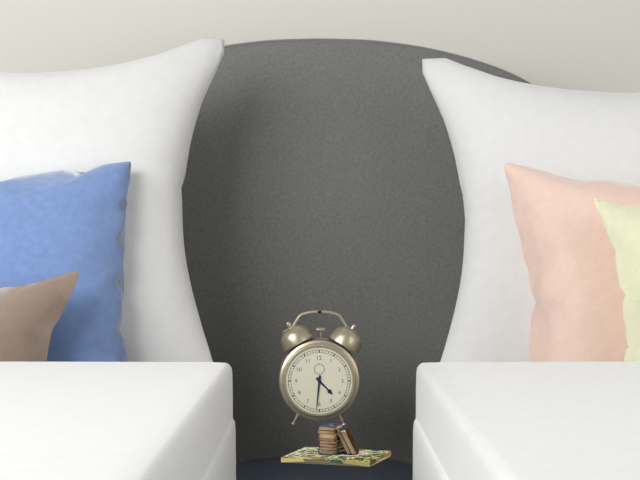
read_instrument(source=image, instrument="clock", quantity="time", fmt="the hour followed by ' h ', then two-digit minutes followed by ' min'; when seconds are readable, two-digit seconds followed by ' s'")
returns 4 h 31 min
